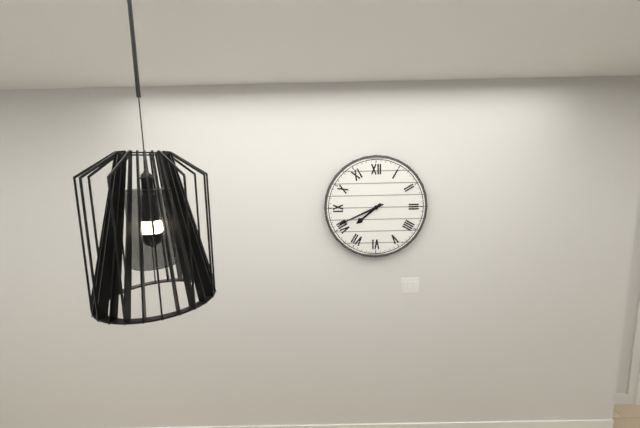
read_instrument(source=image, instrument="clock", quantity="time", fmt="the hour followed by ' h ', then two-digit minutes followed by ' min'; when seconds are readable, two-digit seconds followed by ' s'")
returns 7 h 41 min
